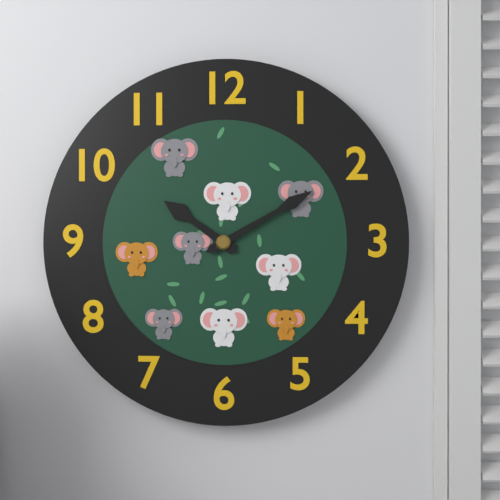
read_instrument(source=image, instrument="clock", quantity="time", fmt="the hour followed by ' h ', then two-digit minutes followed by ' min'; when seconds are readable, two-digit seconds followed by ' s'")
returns 10 h 10 min
